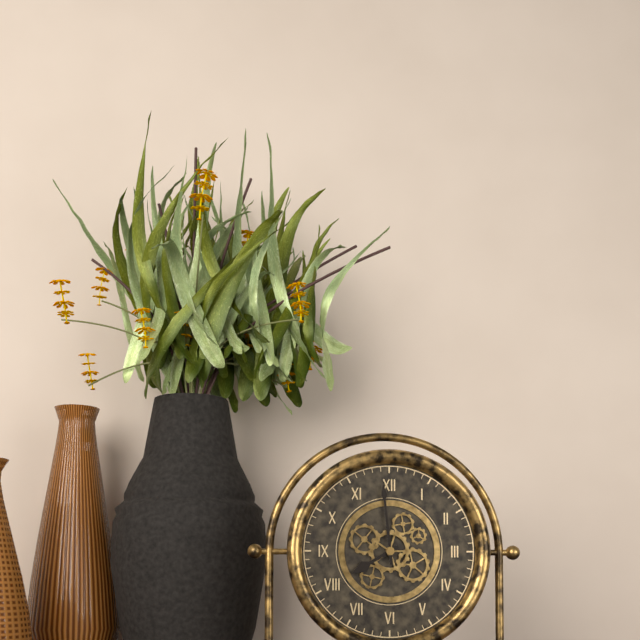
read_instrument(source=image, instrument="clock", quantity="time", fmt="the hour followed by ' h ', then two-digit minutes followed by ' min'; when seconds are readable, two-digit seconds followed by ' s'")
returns 7 h 59 min
